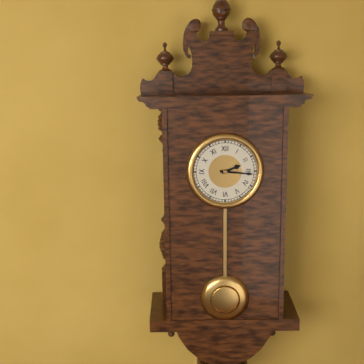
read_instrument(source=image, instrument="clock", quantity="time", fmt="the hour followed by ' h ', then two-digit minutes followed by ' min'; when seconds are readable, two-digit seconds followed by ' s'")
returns 2 h 16 min
